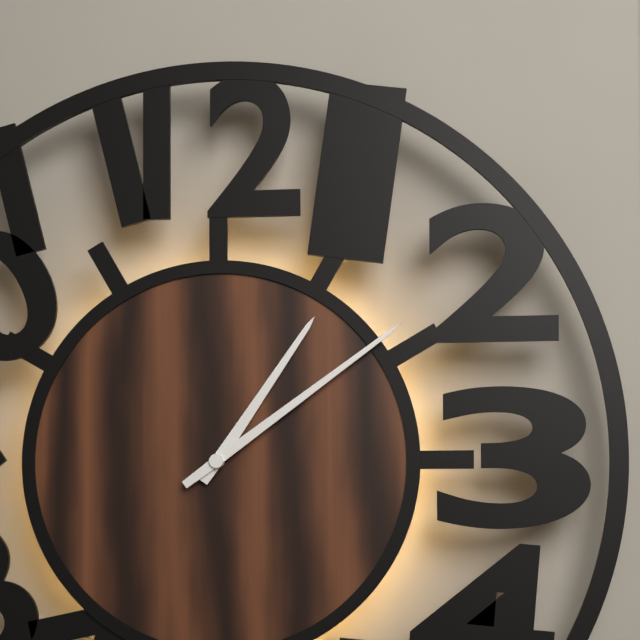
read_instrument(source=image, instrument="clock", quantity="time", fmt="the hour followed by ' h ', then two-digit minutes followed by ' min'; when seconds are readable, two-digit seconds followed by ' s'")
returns 1 h 09 min
